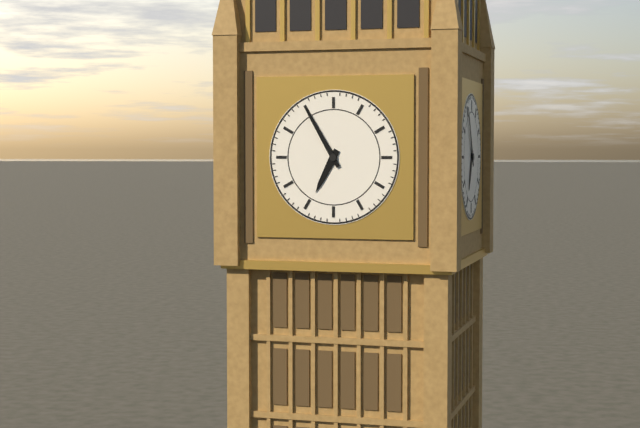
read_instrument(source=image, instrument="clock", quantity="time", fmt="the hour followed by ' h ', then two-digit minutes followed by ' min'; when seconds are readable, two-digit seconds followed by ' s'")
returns 6 h 55 min
